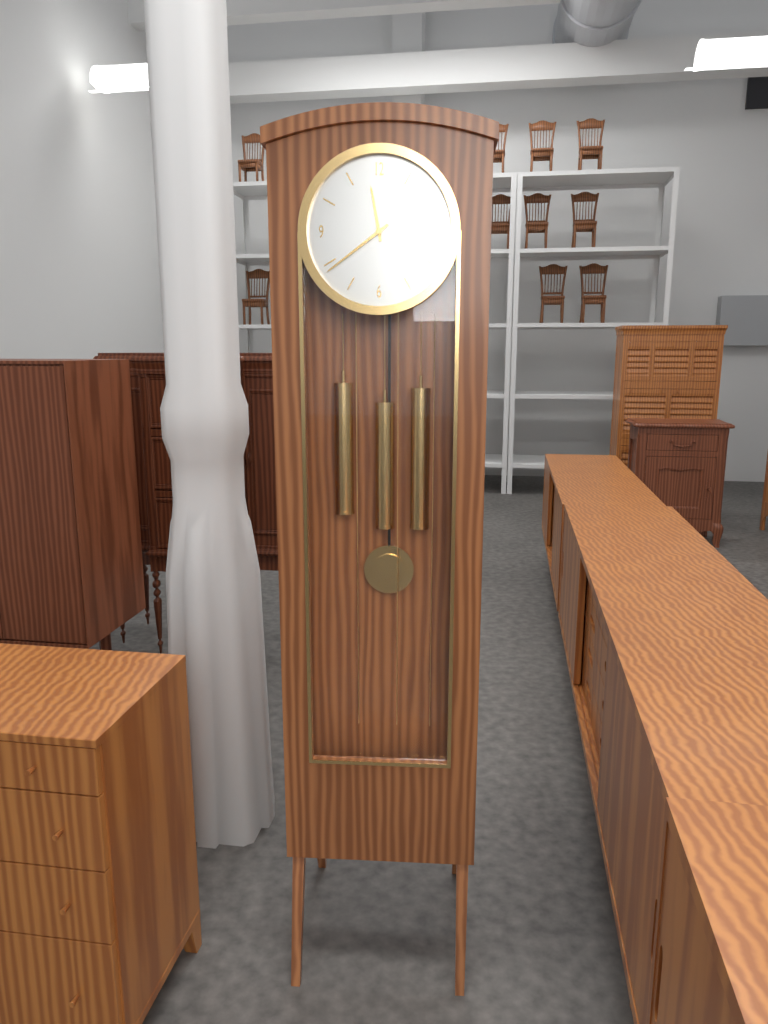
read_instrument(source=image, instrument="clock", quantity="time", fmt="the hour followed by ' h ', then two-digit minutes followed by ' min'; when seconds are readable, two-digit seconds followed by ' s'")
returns 11 h 39 min
